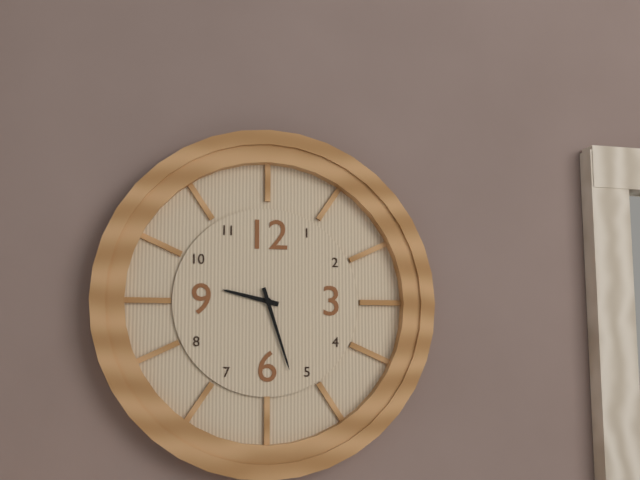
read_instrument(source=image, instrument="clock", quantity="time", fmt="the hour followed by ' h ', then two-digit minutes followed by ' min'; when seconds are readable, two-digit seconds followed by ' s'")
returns 9 h 27 min
